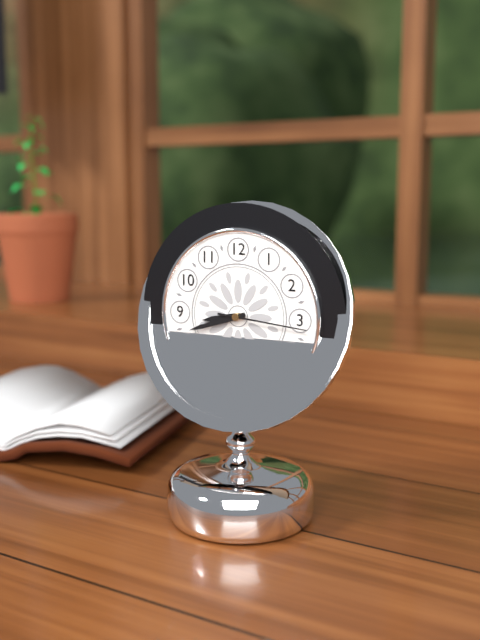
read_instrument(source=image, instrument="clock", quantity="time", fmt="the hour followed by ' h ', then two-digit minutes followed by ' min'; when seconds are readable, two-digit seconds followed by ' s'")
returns 8 h 42 min 16 s
